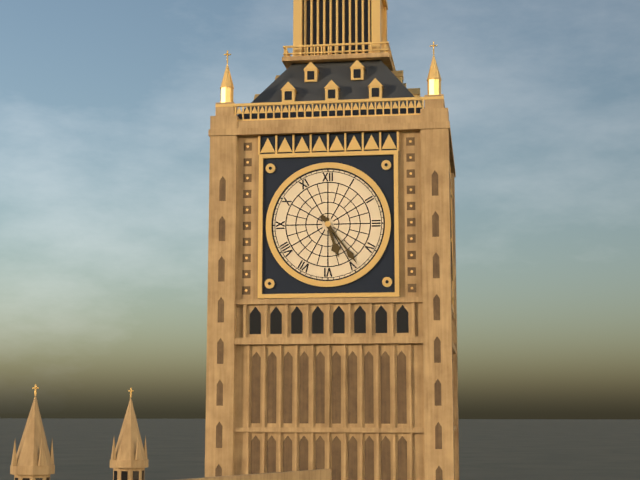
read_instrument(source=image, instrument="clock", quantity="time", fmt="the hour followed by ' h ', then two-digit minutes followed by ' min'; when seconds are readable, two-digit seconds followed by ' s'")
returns 5 h 24 min
